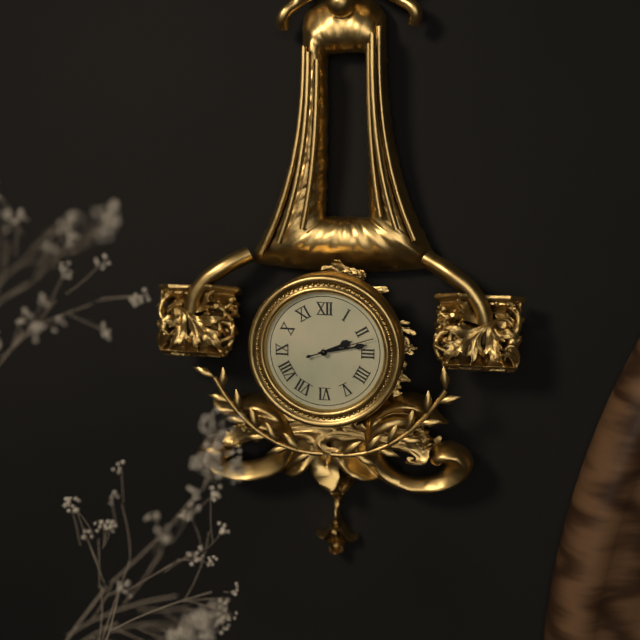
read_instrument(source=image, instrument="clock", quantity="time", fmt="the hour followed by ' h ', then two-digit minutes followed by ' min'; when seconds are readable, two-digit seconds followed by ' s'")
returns 2 h 13 min 12 s
